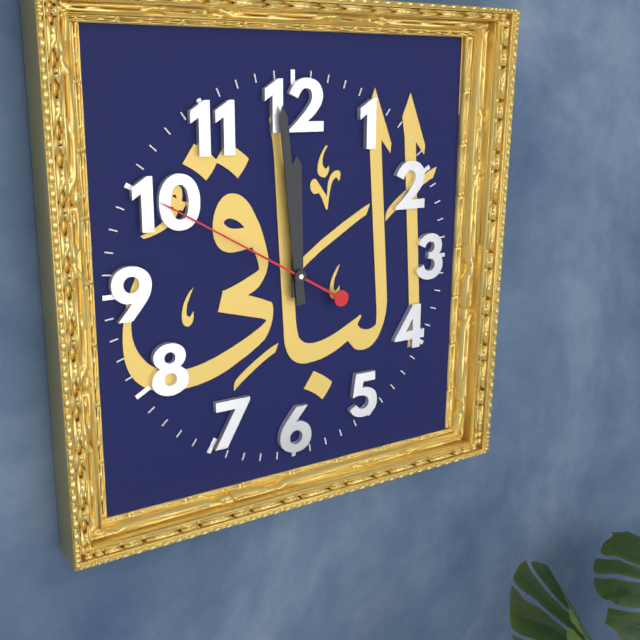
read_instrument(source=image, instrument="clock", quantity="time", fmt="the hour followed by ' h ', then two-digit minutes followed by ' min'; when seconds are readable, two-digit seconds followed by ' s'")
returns 11 h 59 min 50 s
